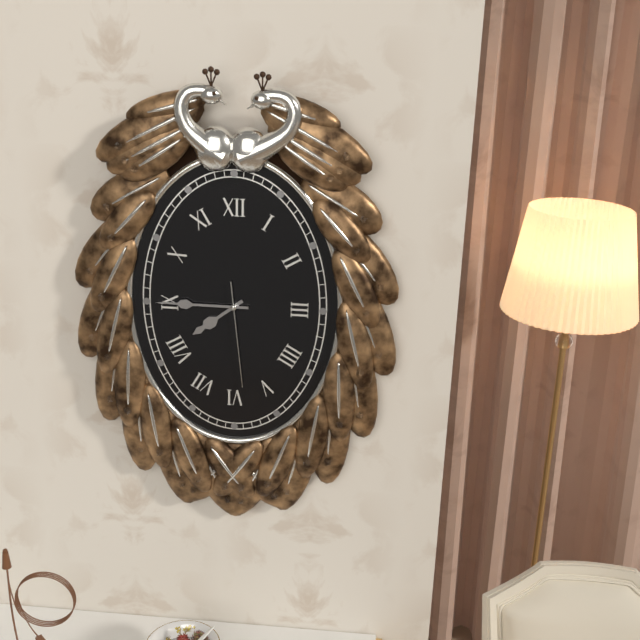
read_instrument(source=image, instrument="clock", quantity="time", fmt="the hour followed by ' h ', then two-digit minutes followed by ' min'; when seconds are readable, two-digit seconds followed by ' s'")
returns 7 h 45 min 29 s
